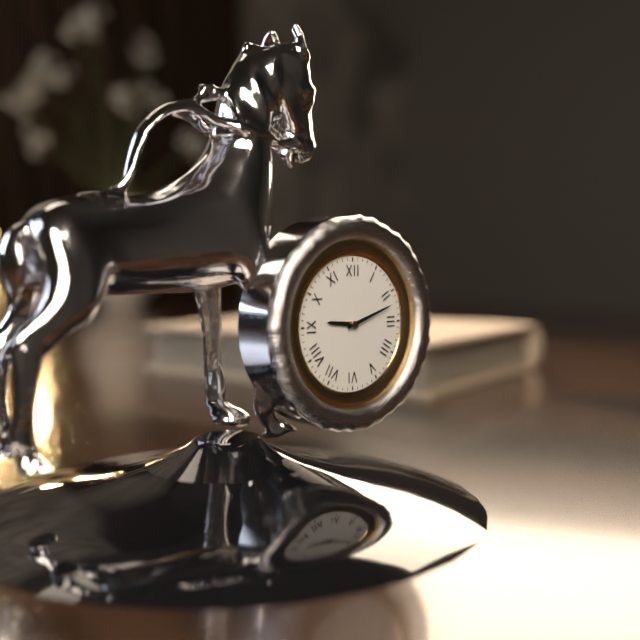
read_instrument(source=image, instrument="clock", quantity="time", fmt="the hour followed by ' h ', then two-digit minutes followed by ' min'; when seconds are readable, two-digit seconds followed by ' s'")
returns 9 h 12 min
